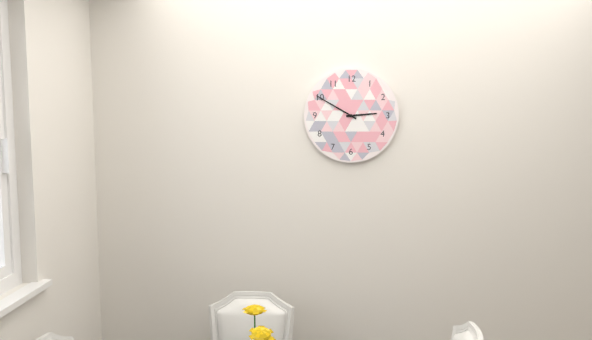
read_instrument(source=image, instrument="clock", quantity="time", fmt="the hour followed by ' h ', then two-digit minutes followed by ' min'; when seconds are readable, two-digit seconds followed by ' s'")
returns 2 h 50 min
